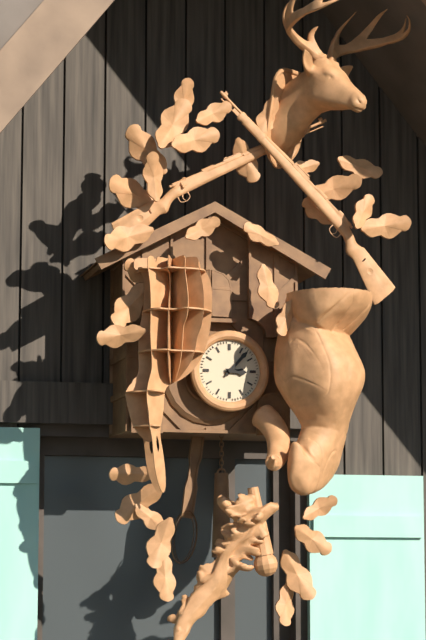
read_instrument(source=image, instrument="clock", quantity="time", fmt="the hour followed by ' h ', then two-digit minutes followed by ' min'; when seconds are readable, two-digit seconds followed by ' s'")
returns 3 h 07 min
